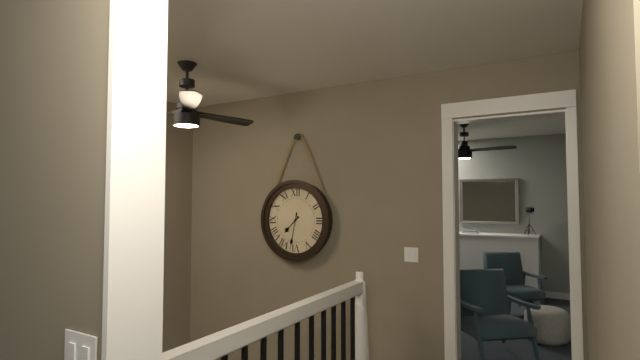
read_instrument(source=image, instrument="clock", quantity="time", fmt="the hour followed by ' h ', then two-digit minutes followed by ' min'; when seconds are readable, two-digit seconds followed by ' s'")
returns 7 h 32 min
